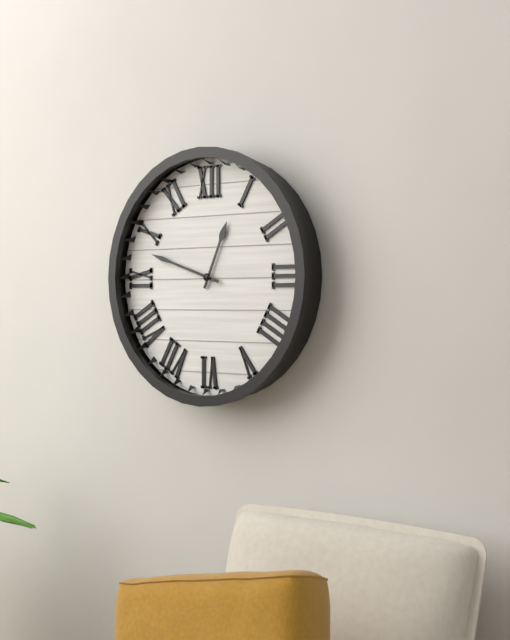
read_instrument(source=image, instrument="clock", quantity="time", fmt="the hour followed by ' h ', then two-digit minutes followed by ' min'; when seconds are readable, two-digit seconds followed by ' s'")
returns 12 h 48 min
